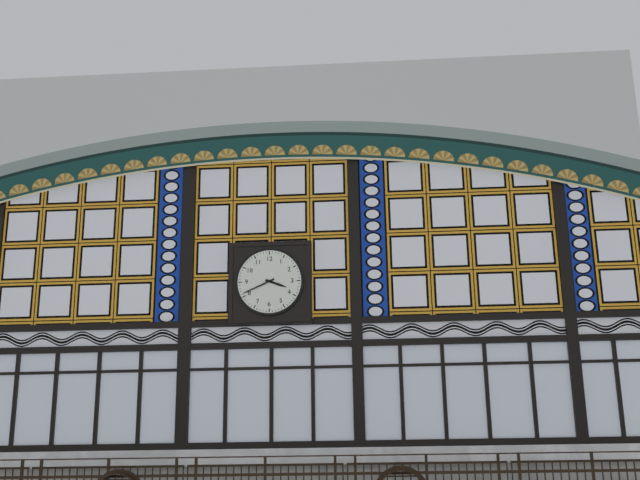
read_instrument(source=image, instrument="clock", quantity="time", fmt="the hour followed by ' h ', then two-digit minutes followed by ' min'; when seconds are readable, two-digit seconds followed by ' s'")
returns 3 h 41 min
